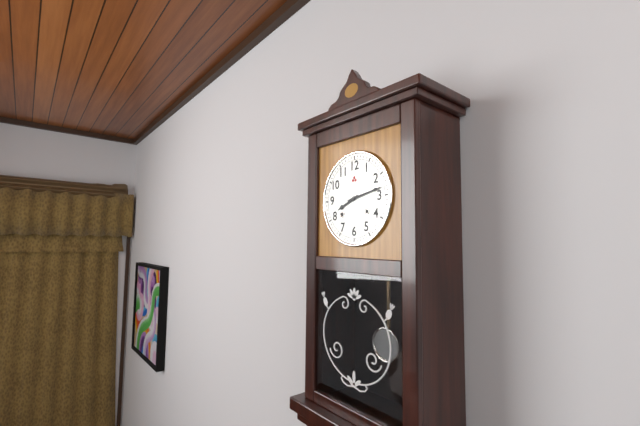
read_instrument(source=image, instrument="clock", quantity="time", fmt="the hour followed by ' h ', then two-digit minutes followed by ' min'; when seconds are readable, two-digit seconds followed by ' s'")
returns 8 h 13 min
